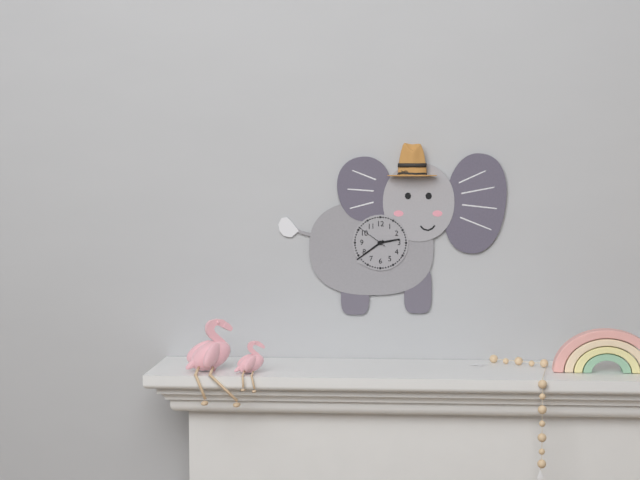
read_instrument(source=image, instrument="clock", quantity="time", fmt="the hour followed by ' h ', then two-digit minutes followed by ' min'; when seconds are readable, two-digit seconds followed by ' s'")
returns 2 h 39 min
